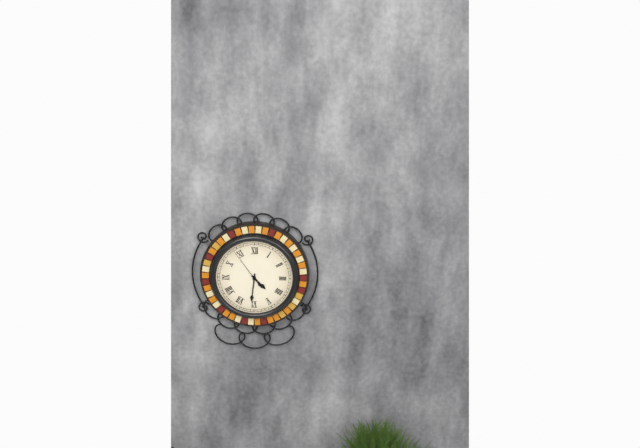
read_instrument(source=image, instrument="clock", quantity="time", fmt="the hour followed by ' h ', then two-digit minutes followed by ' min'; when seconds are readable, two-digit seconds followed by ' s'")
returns 4 h 31 min
